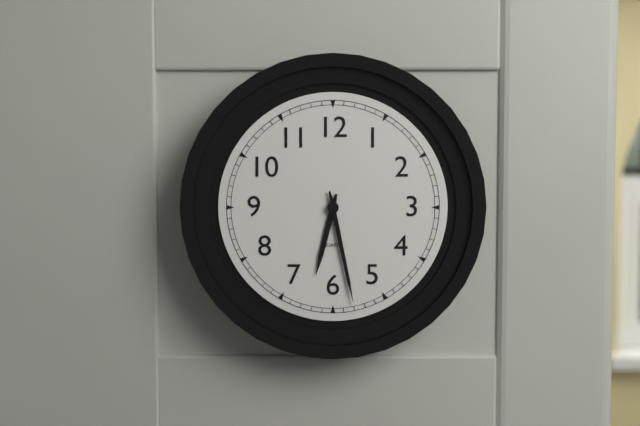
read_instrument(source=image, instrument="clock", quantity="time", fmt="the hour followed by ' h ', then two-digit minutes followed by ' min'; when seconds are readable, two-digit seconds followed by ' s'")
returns 6 h 28 min
